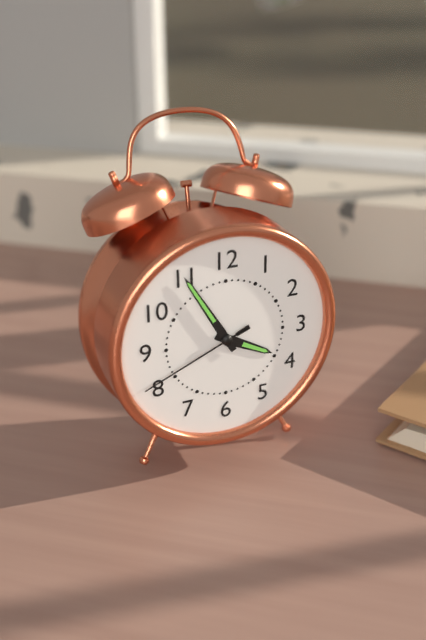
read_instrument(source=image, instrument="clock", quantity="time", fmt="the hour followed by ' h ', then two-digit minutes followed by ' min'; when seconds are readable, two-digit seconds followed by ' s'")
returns 3 h 55 min 41 s
